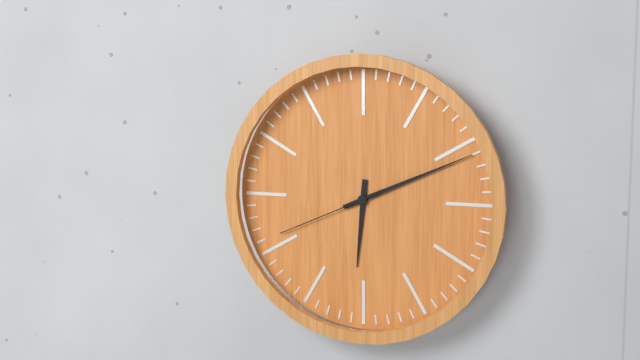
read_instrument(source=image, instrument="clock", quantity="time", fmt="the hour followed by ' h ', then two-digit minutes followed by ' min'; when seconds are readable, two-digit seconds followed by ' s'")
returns 6 h 11 min 41 s
